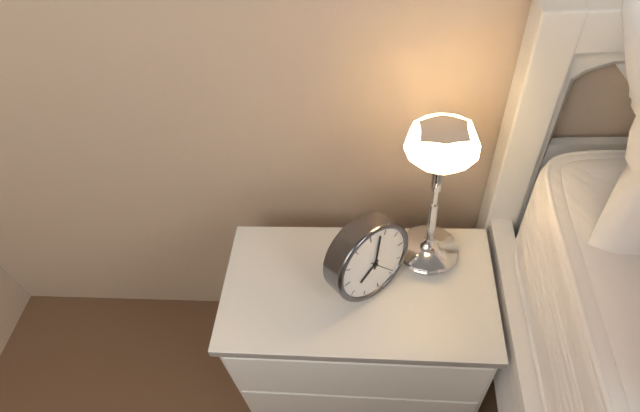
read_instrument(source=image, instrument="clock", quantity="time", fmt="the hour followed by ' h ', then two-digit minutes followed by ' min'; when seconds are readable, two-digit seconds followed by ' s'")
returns 8 h 03 min
